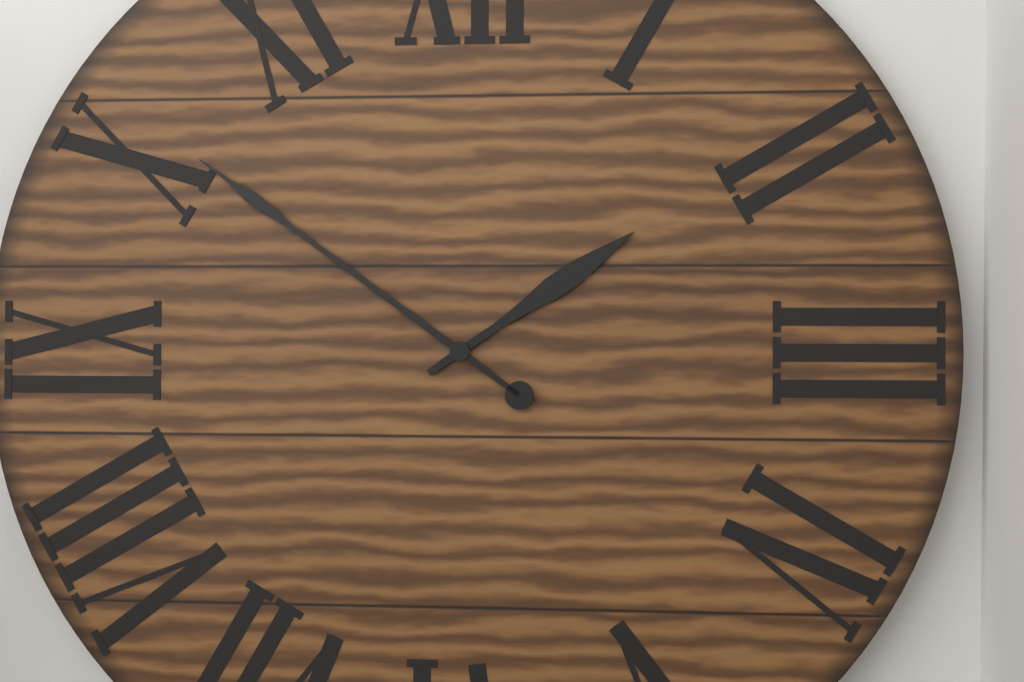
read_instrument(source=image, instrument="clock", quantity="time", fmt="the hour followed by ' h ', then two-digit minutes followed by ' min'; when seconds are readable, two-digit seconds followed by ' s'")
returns 1 h 51 min
